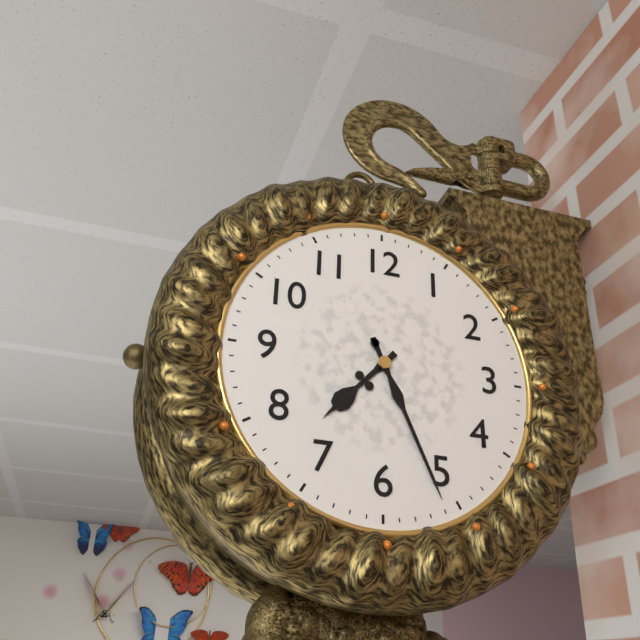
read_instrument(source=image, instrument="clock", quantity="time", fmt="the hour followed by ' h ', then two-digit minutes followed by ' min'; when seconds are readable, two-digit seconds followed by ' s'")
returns 7 h 26 min
